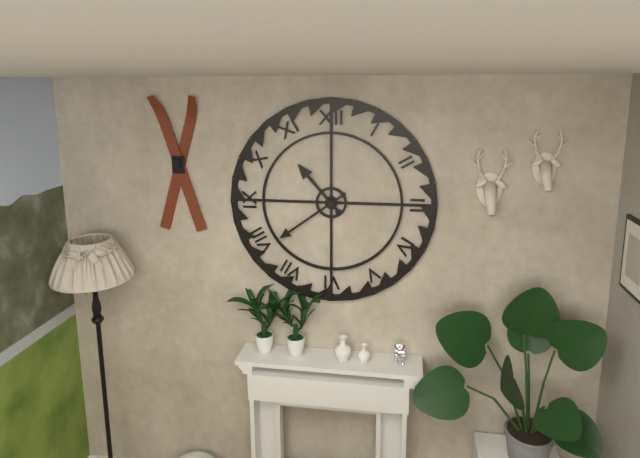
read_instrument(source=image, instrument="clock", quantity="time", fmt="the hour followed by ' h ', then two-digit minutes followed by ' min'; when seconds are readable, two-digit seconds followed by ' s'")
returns 10 h 39 min
